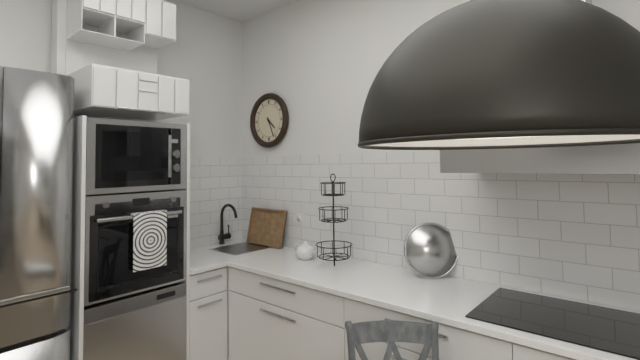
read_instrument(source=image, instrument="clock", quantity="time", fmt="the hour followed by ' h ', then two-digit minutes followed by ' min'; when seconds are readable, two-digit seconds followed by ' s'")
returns 4 h 26 min
